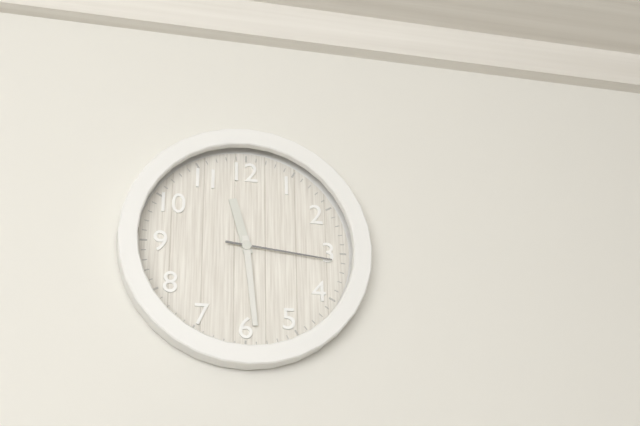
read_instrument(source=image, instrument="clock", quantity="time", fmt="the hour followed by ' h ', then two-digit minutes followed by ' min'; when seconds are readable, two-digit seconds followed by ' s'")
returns 11 h 29 min 16 s
